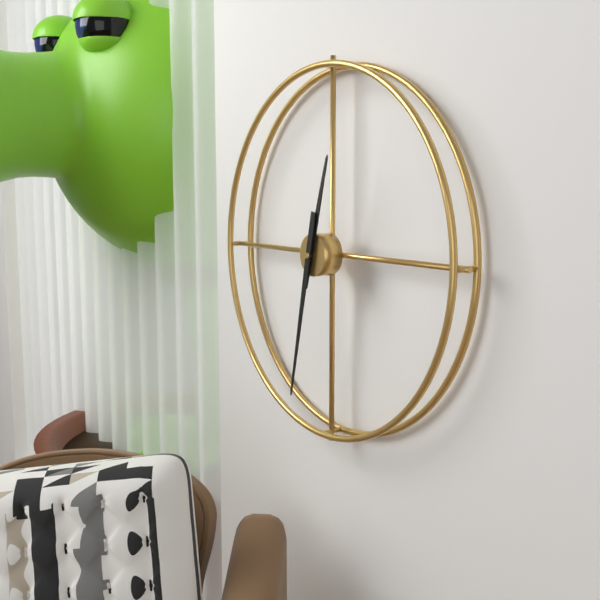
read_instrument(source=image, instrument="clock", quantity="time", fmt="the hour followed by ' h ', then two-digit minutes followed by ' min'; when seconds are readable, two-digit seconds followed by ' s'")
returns 12 h 32 min
